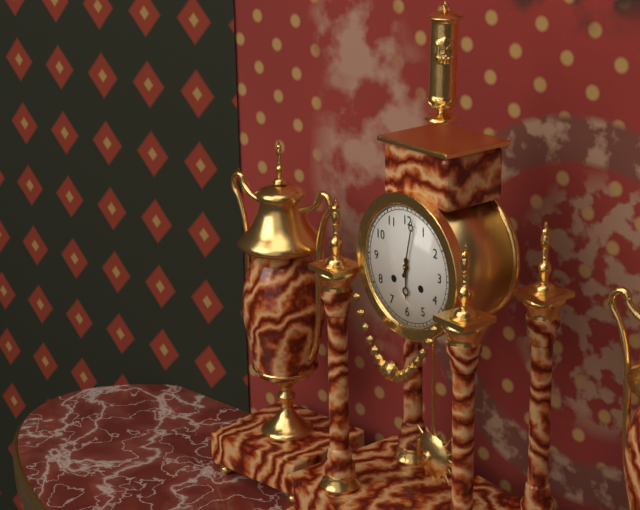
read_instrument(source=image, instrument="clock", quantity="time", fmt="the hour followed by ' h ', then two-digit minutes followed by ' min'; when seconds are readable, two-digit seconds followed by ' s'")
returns 6 h 02 min
